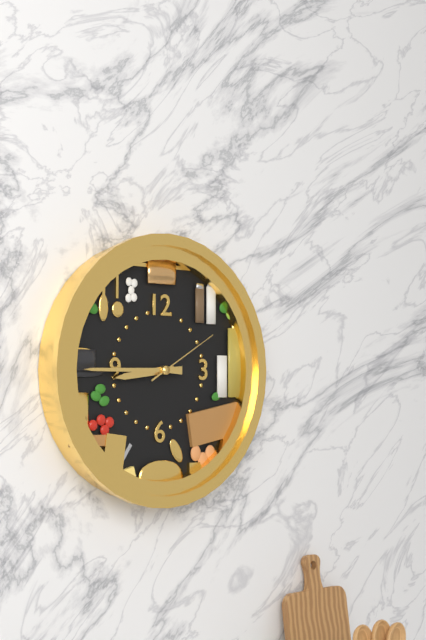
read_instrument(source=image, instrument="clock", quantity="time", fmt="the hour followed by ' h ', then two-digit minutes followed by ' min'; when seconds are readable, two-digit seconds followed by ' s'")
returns 8 h 45 min 10 s
